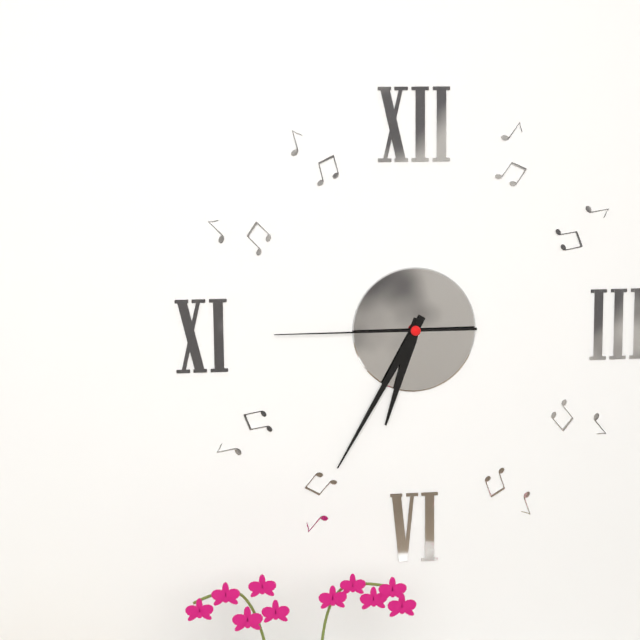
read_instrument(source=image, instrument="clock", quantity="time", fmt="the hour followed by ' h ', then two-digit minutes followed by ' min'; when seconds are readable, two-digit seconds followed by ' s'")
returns 6 h 35 min 45 s
